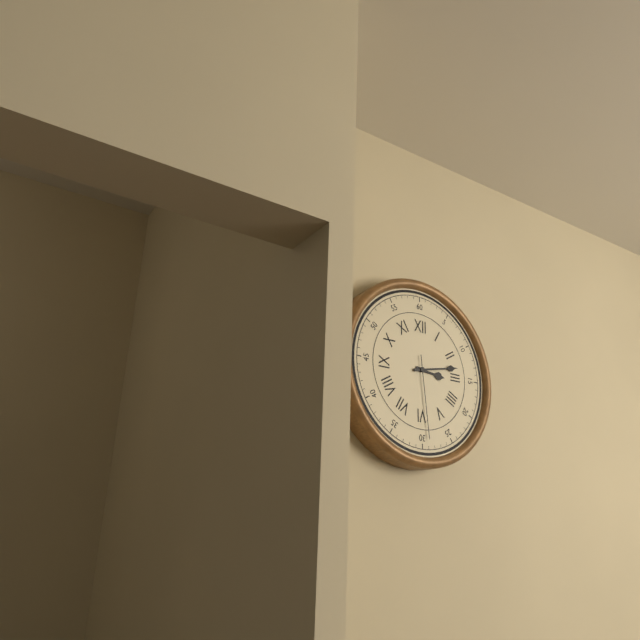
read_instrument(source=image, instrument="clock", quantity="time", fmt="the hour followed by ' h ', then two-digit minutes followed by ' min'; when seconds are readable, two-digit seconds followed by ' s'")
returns 3 h 13 min 29 s
